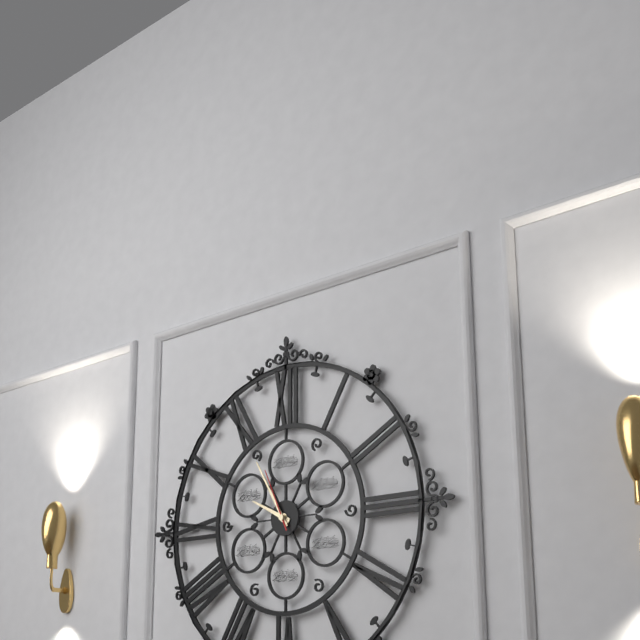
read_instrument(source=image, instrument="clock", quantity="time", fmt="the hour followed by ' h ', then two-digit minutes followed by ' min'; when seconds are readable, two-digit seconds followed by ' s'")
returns 9 h 55 min 56 s
